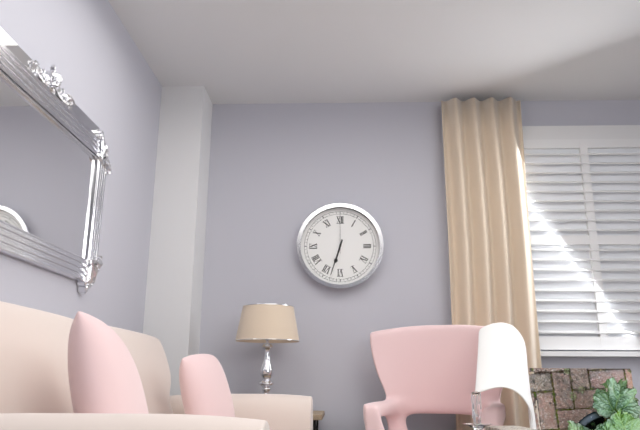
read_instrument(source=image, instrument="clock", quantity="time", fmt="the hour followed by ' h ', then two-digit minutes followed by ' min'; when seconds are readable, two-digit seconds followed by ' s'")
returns 6 h 33 min
